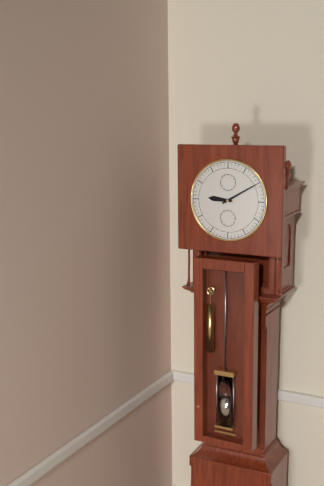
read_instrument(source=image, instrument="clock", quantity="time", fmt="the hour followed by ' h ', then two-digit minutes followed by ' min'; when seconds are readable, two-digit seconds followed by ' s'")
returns 9 h 10 min
